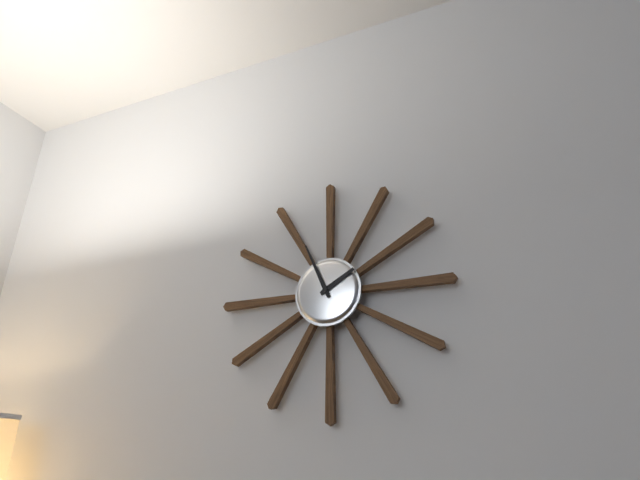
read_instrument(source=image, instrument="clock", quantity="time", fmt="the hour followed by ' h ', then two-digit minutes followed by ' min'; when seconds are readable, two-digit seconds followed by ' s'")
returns 1 h 56 min
